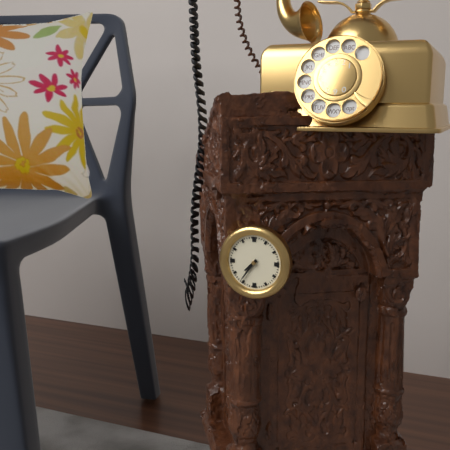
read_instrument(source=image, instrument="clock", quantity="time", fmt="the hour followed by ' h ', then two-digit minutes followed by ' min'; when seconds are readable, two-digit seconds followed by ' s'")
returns 7 h 36 min
